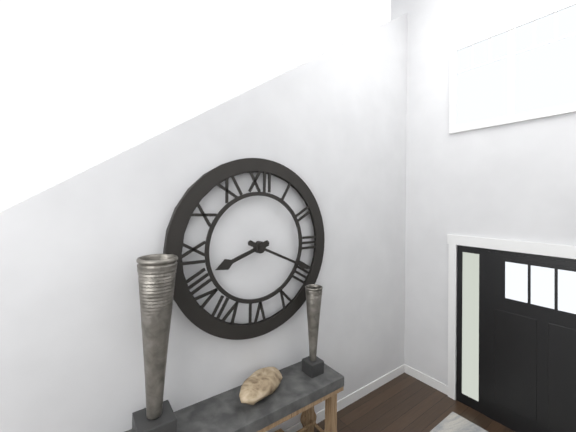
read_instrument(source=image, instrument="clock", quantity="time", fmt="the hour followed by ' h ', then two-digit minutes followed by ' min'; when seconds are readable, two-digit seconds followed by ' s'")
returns 8 h 19 min
